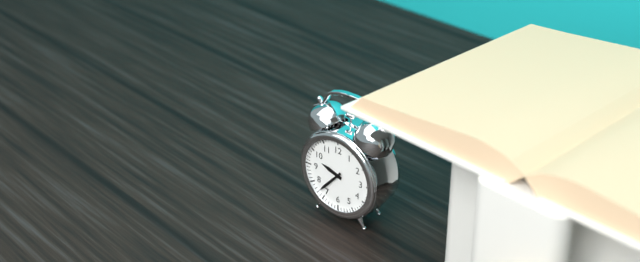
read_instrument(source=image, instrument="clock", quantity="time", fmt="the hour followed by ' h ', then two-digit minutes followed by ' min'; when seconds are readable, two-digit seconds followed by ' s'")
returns 9 h 37 min
